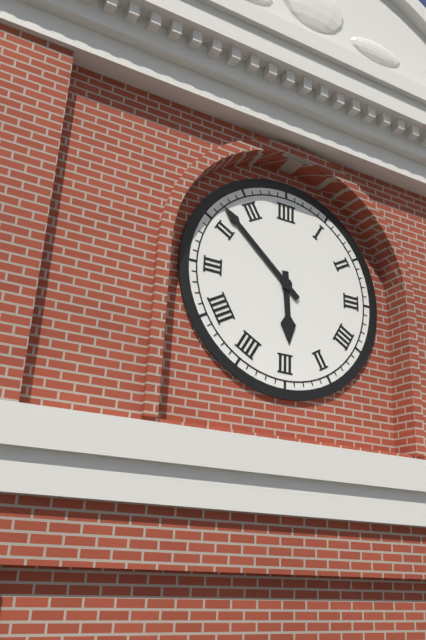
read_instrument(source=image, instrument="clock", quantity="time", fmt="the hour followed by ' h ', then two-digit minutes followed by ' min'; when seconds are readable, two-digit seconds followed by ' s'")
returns 5 h 52 min
